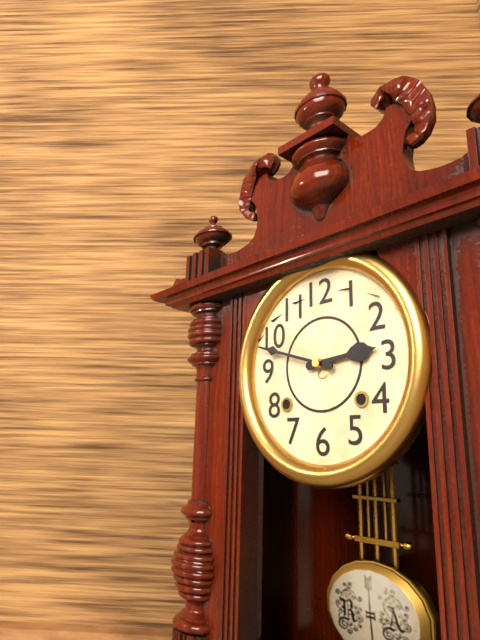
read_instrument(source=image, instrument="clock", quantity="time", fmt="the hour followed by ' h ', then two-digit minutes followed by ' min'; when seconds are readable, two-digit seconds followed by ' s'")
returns 2 h 48 min
